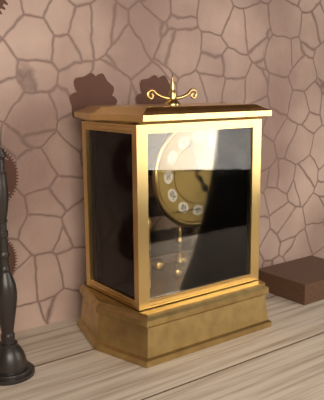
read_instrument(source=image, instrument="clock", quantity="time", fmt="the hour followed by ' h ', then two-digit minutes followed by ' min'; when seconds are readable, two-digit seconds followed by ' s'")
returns 4 h 57 min
